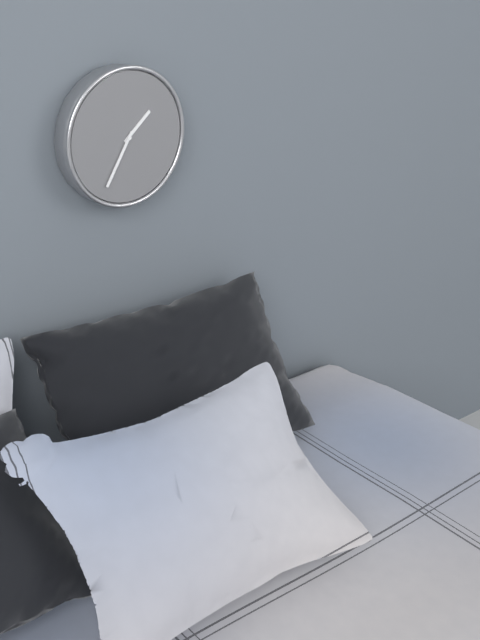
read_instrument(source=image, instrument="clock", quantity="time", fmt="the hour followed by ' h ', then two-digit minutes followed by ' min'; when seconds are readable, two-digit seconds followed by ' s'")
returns 1 h 35 min
